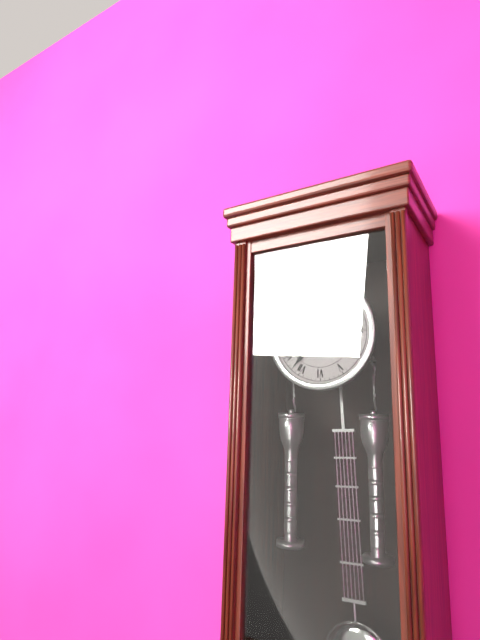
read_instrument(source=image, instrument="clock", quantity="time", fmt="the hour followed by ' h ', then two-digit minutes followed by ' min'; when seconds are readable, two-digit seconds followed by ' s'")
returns 11 h 37 min
